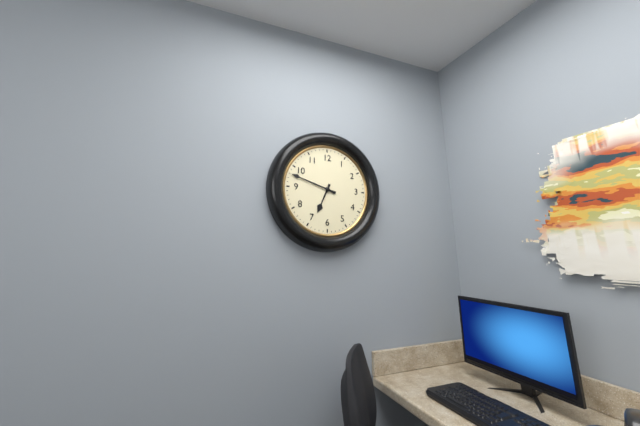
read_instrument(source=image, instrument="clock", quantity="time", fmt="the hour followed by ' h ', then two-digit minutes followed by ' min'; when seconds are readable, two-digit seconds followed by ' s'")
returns 6 h 48 min
